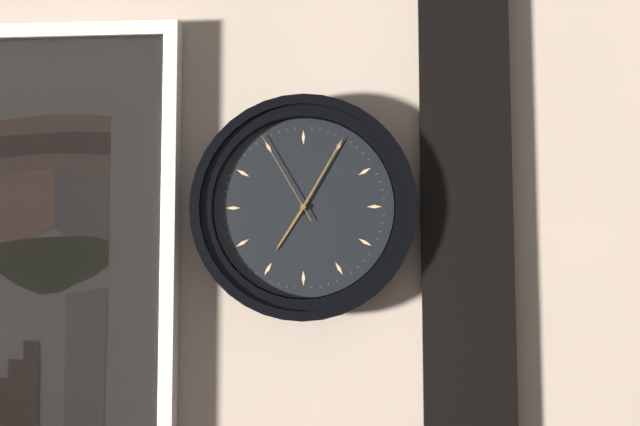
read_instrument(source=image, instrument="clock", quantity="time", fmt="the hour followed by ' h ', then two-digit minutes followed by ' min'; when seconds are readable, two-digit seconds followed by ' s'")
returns 7 h 05 min 55 s
